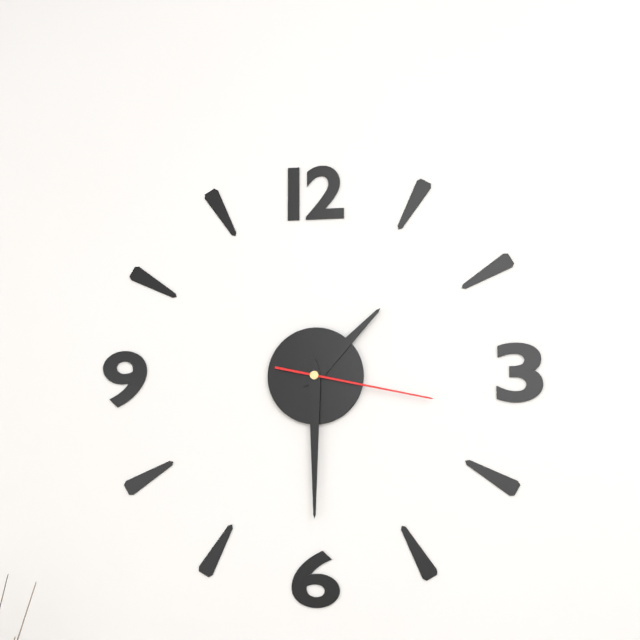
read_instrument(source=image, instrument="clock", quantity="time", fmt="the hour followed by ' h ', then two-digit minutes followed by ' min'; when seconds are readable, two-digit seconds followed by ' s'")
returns 1 h 30 min 17 s
